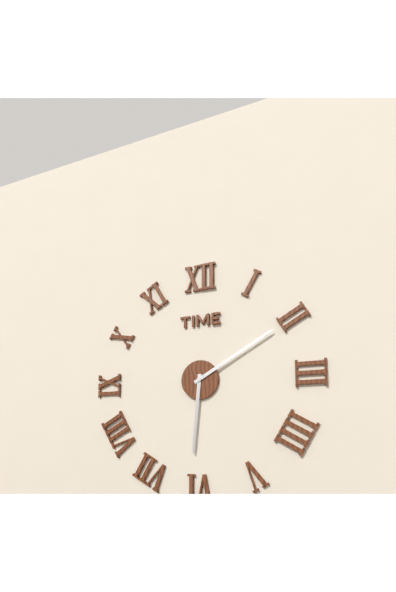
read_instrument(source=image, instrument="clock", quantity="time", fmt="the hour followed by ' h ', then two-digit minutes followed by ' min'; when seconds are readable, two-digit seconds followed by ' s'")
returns 6 h 10 min
